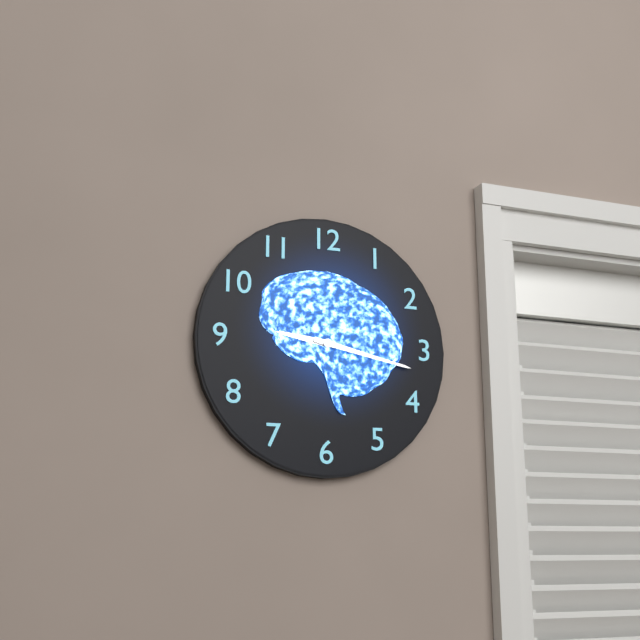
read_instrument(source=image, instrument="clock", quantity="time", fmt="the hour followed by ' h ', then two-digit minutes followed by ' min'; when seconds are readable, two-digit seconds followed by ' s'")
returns 9 h 17 min
